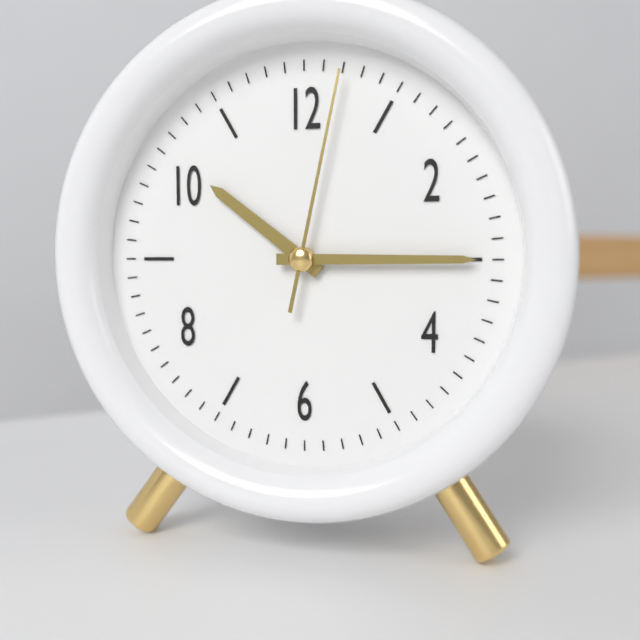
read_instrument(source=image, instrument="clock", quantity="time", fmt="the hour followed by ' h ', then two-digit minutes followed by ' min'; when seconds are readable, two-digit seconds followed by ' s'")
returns 10 h 15 min 02 s
